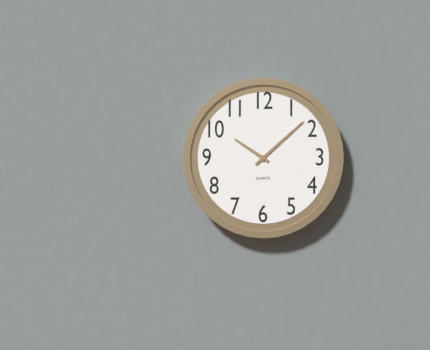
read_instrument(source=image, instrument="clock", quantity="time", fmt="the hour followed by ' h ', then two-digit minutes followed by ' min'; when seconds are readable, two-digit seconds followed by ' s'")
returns 10 h 08 min
